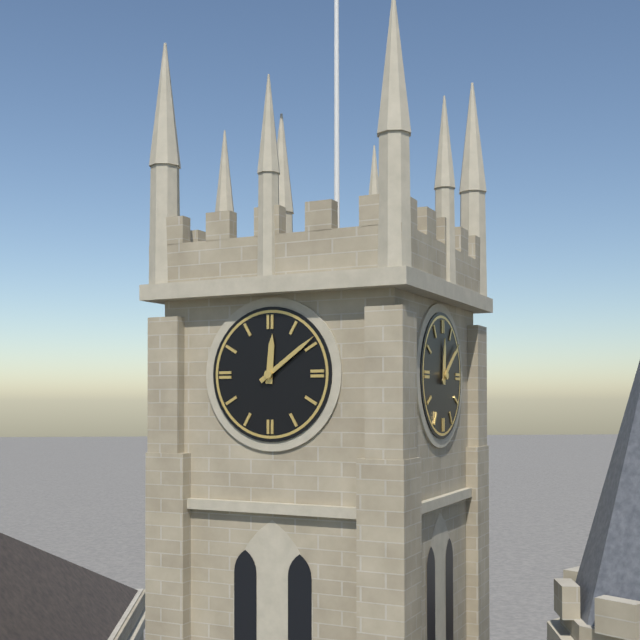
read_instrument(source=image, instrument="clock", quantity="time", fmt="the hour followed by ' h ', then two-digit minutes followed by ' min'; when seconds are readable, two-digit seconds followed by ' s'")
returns 12 h 09 min
